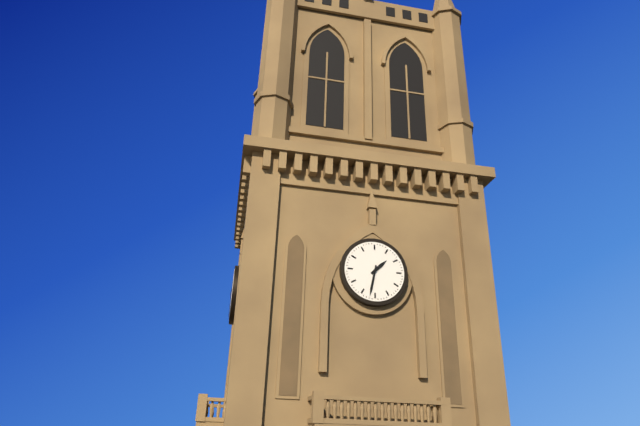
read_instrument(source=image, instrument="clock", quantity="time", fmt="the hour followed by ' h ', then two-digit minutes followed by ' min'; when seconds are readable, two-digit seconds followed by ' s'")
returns 1 h 32 min
